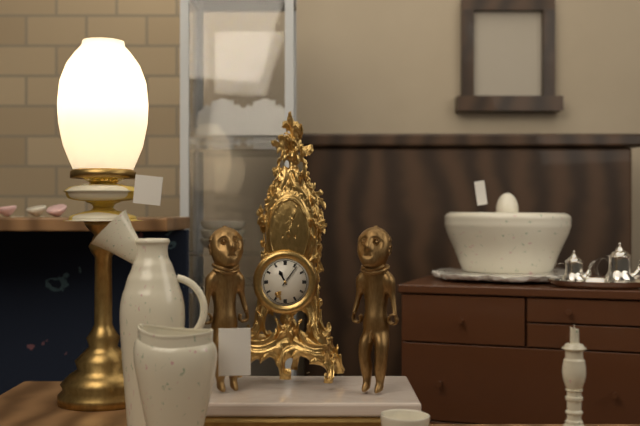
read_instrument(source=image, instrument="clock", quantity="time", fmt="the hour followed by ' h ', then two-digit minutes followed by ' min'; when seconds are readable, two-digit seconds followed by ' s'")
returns 11 h 06 min
